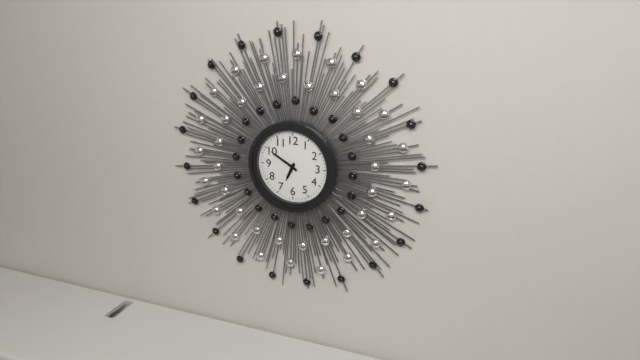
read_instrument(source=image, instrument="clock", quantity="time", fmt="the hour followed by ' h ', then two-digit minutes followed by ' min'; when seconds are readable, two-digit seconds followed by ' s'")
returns 6 h 50 min
